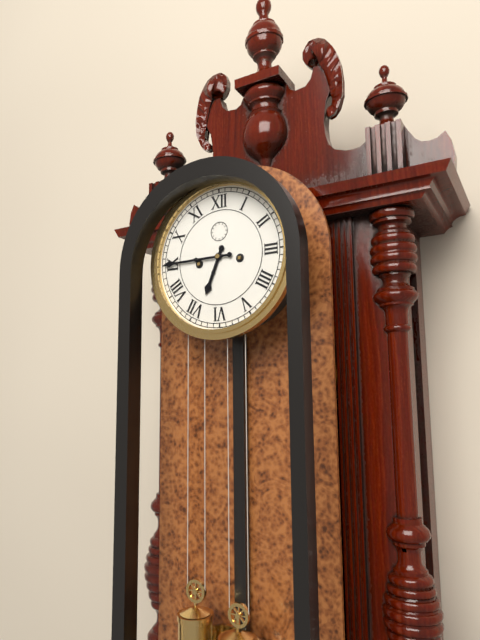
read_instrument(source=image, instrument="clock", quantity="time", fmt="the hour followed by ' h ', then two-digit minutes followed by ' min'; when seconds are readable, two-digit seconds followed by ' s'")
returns 6 h 45 min
